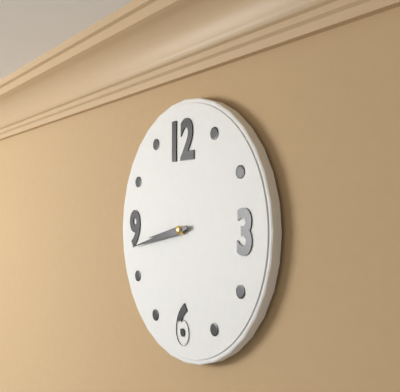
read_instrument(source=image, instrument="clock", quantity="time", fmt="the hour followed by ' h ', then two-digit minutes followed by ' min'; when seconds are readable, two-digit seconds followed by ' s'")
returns 8 h 43 min
